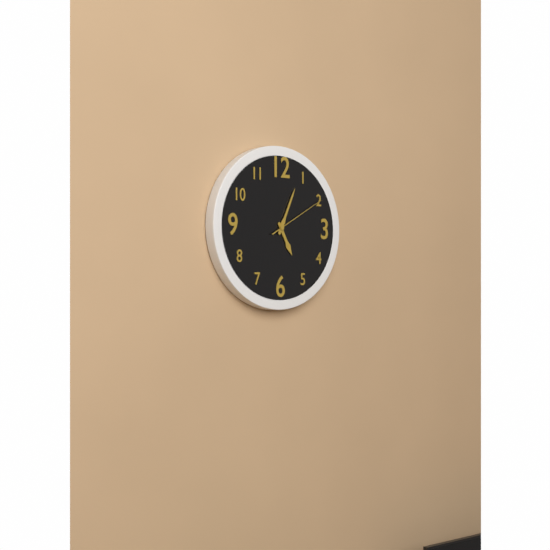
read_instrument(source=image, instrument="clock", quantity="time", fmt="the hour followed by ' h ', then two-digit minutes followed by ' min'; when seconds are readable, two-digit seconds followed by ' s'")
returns 5 h 04 min 10 s
